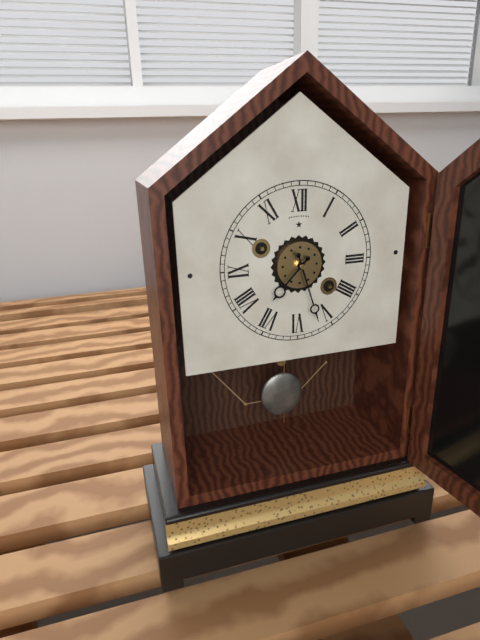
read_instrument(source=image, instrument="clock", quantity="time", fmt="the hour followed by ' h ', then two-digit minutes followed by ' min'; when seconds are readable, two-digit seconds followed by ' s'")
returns 7 h 27 min
